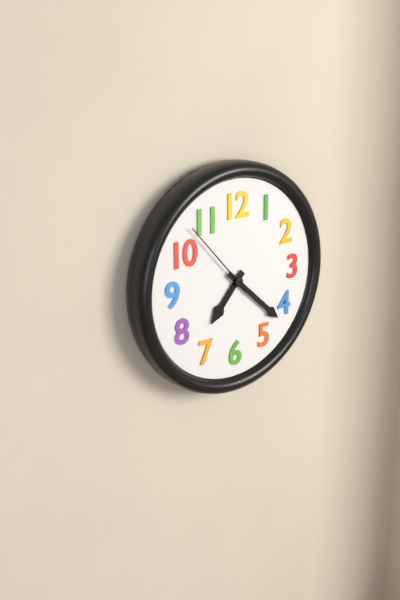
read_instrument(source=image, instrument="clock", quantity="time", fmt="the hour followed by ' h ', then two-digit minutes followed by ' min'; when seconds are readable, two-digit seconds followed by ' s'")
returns 7 h 22 min 53 s
